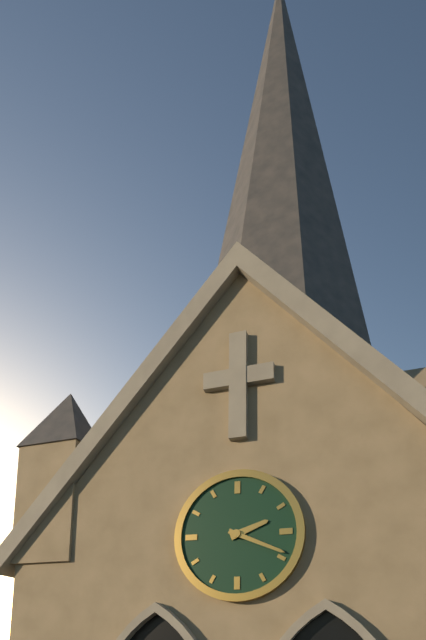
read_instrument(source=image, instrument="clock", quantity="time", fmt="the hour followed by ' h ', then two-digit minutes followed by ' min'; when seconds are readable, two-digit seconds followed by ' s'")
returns 2 h 19 min
